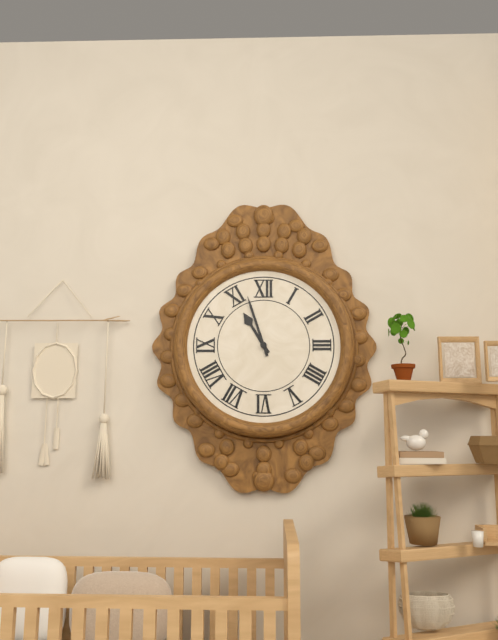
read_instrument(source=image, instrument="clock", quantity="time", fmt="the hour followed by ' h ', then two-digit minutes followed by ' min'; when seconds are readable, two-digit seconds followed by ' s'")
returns 10 h 57 min
